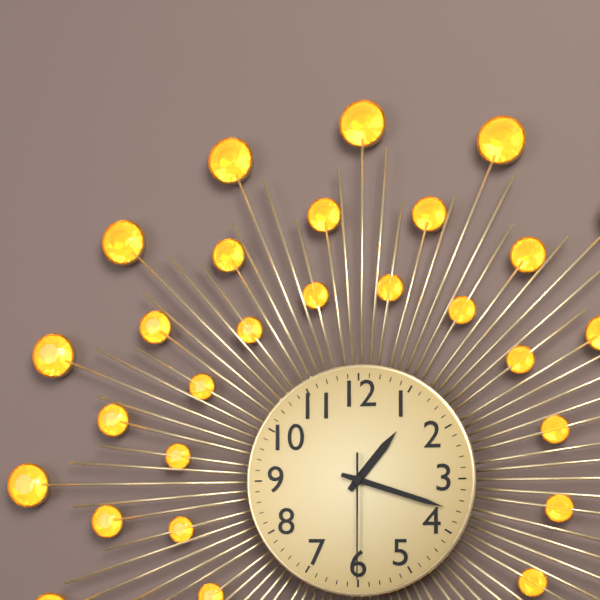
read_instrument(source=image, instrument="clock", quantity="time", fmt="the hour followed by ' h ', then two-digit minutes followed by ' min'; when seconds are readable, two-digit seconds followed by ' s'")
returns 1 h 18 min 30 s
